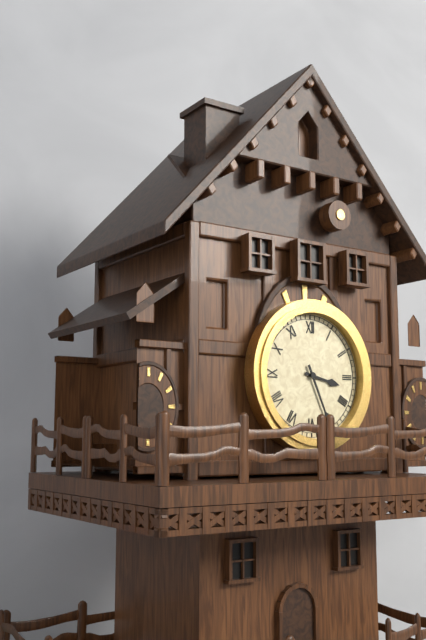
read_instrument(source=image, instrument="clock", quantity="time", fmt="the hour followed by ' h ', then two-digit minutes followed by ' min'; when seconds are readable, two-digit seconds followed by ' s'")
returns 3 h 26 min
